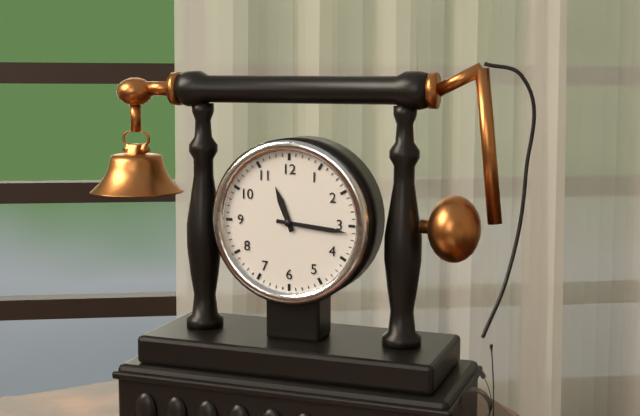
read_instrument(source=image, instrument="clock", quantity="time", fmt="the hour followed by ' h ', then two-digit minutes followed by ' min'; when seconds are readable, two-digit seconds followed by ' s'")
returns 11 h 16 min
